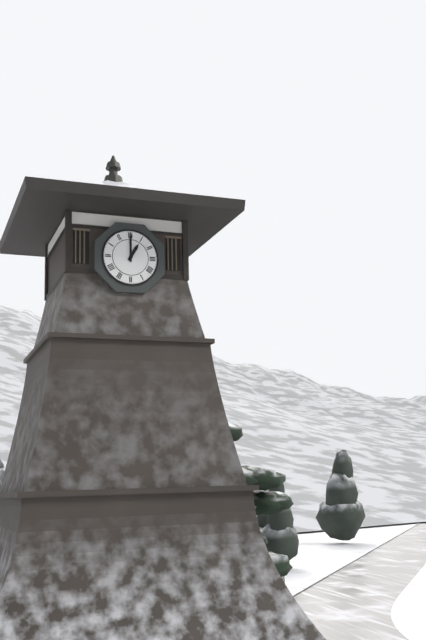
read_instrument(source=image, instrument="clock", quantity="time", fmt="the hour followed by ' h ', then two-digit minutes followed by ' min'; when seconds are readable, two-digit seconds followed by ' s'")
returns 1 h 00 min
